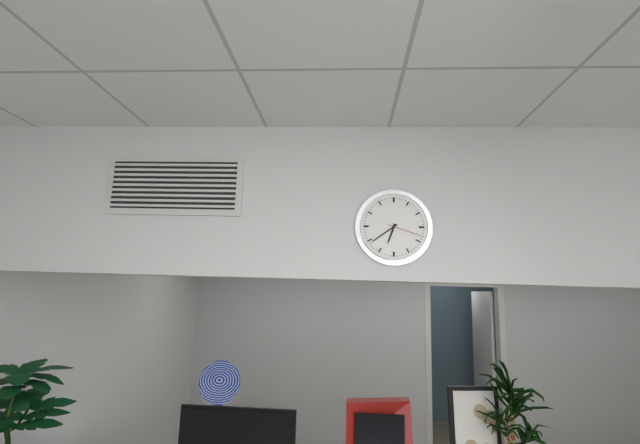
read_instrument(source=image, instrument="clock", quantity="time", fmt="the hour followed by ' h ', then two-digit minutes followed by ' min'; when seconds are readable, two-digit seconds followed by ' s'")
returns 6 h 39 min
